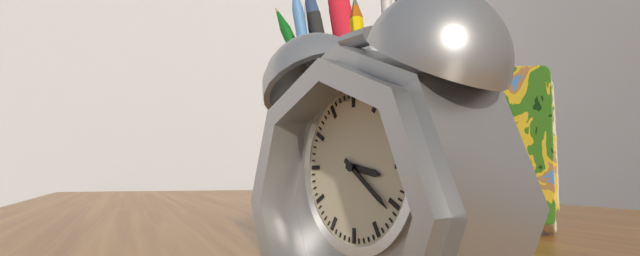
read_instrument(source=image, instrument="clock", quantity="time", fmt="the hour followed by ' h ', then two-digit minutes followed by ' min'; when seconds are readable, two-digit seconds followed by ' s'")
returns 3 h 21 min
